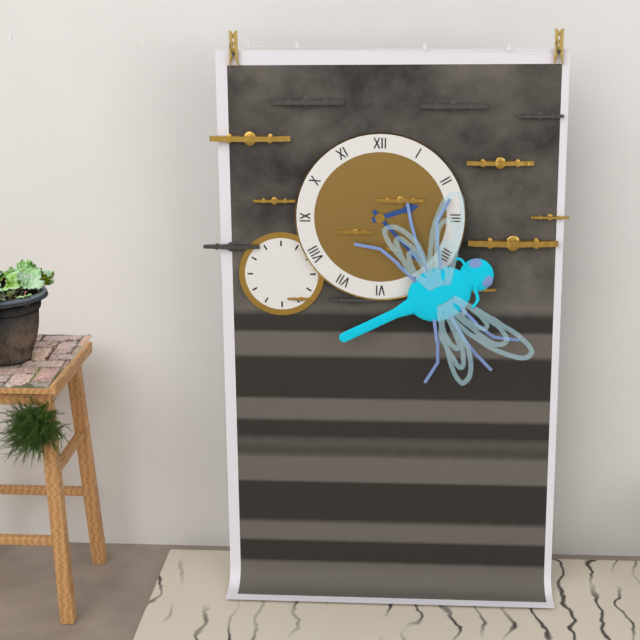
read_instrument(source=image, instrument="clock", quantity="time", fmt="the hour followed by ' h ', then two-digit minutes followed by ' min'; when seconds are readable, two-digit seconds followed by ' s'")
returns 2 h 23 min
